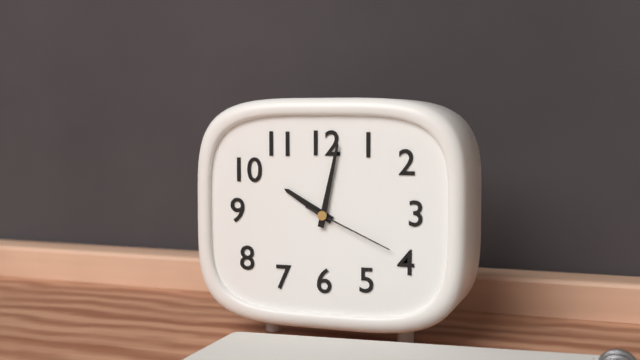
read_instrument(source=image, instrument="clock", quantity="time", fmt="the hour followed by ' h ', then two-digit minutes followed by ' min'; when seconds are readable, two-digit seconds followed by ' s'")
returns 10 h 02 min 19 s
